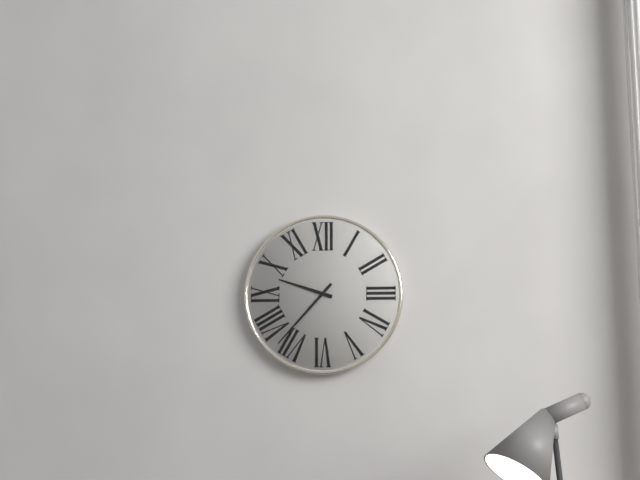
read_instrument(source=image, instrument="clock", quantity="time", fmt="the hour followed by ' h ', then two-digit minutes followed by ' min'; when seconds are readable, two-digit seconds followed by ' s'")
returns 9 h 37 min
